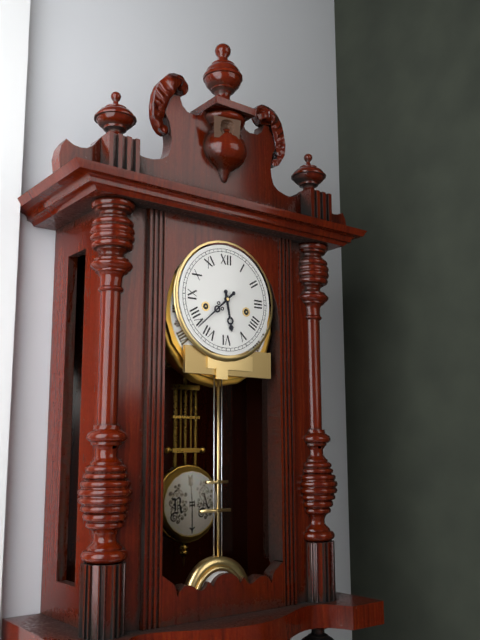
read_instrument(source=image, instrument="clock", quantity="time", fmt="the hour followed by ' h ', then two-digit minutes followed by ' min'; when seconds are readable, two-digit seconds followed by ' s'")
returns 5 h 38 min
